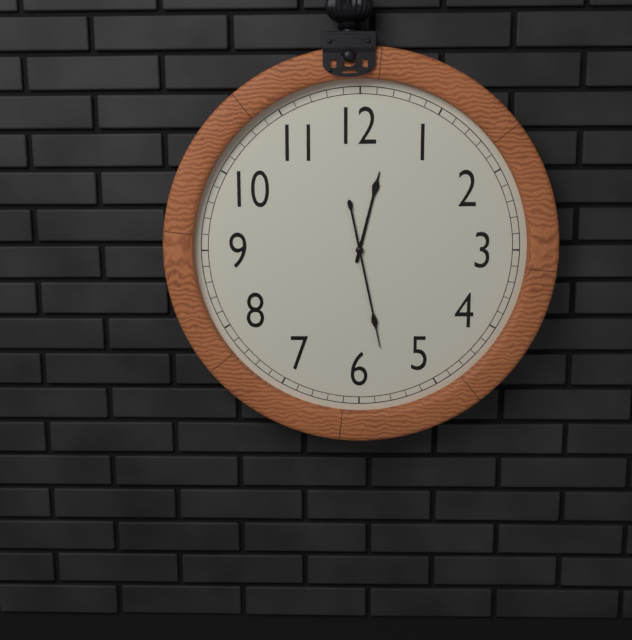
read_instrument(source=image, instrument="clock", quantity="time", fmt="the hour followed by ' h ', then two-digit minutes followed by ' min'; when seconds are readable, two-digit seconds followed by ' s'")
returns 12 h 28 min
